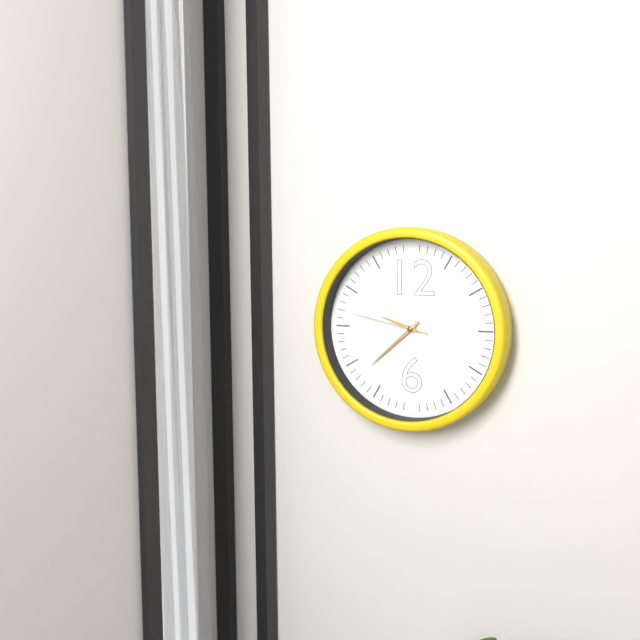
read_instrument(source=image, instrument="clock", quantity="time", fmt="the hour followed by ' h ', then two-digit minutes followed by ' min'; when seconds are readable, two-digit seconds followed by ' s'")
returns 9 h 38 min 47 s
